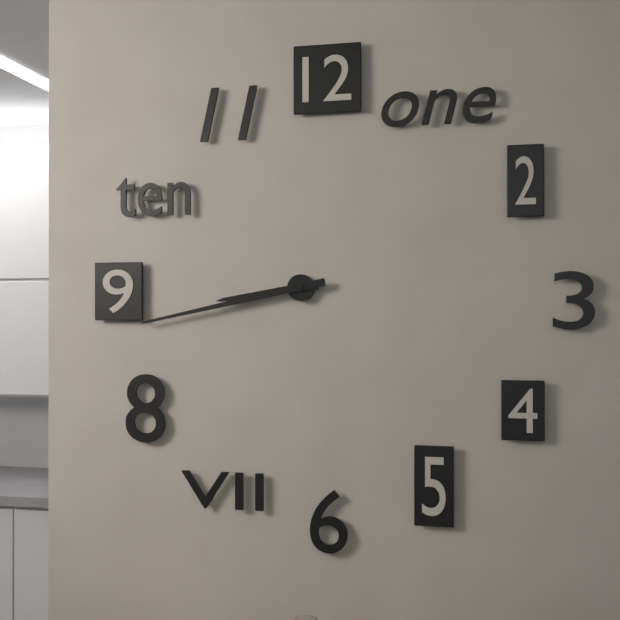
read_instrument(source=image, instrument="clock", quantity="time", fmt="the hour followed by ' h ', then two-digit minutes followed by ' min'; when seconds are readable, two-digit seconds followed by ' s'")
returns 8 h 43 min
